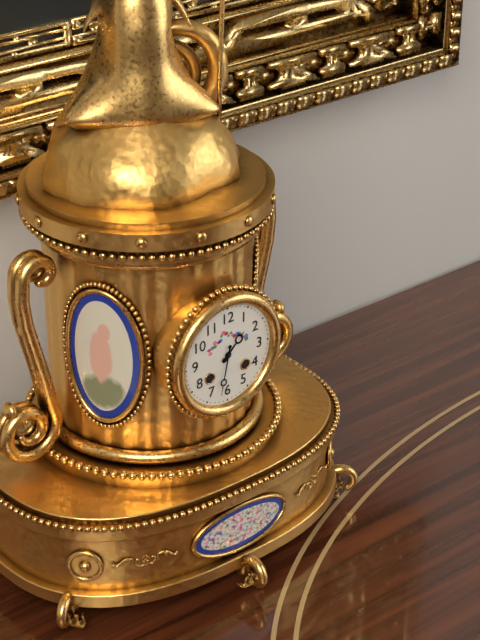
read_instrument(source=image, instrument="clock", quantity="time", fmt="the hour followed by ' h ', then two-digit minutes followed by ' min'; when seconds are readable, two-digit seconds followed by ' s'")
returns 1 h 32 min
